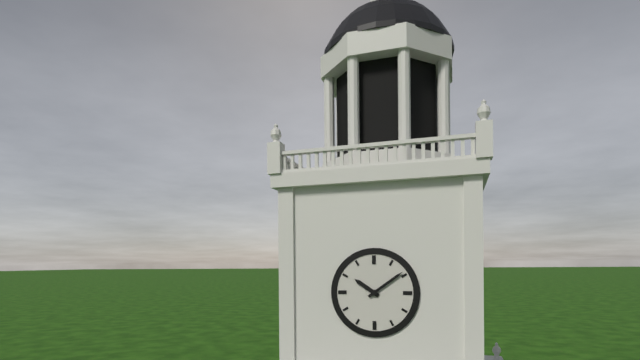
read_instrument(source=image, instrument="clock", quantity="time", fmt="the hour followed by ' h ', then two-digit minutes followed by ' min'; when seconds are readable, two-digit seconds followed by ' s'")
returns 10 h 09 min
